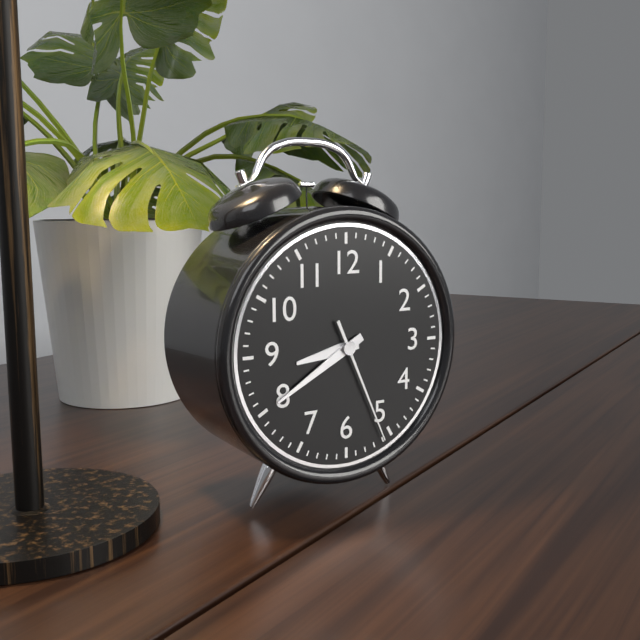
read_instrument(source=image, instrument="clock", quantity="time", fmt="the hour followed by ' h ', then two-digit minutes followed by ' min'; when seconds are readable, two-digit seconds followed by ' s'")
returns 8 h 40 min 26 s
